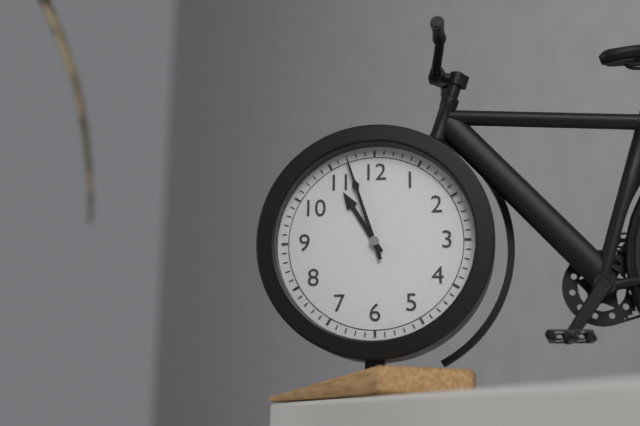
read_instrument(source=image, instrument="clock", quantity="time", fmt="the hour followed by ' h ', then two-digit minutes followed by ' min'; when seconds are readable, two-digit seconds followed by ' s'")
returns 10 h 57 min
